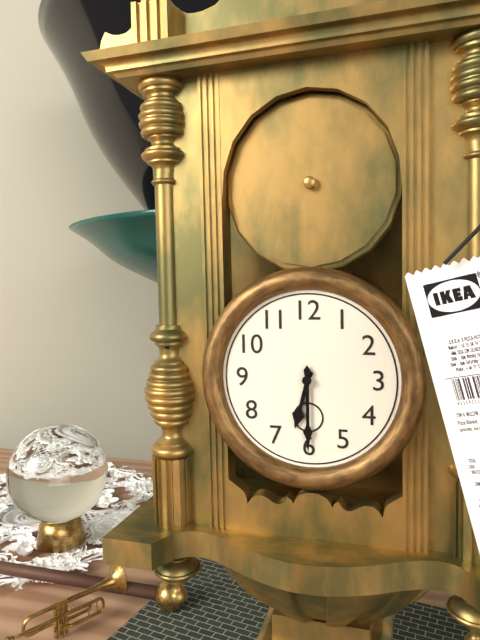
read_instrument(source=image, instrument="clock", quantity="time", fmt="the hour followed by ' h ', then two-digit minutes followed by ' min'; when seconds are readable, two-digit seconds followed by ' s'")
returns 6 h 30 min
